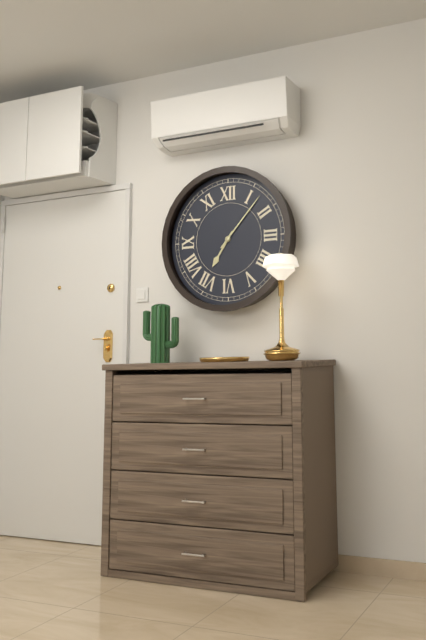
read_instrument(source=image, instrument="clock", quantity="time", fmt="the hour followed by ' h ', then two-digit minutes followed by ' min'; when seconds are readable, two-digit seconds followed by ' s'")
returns 7 h 07 min
